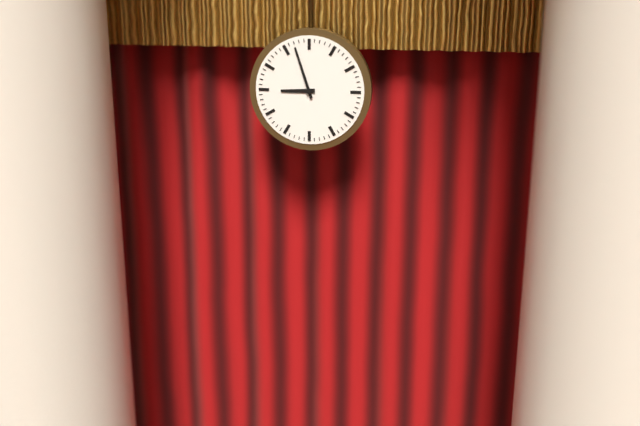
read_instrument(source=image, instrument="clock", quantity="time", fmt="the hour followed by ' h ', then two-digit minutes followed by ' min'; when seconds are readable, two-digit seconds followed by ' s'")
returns 8 h 57 min
